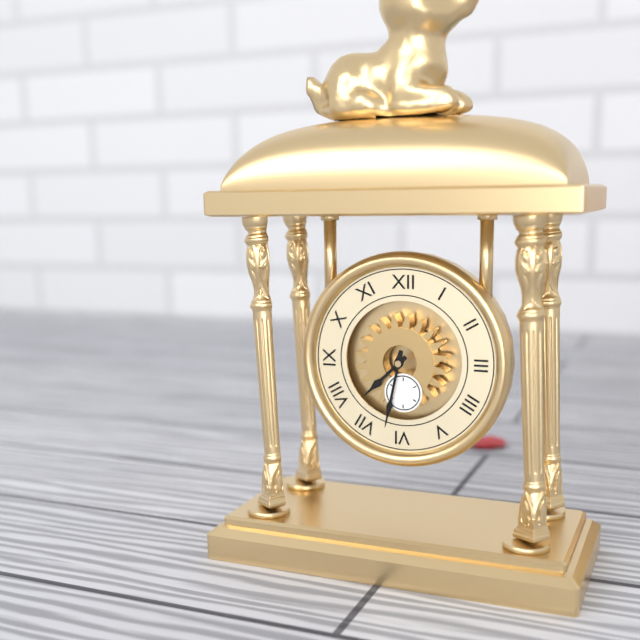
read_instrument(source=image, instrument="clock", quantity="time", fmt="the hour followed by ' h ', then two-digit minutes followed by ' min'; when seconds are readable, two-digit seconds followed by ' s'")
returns 7 h 32 min
